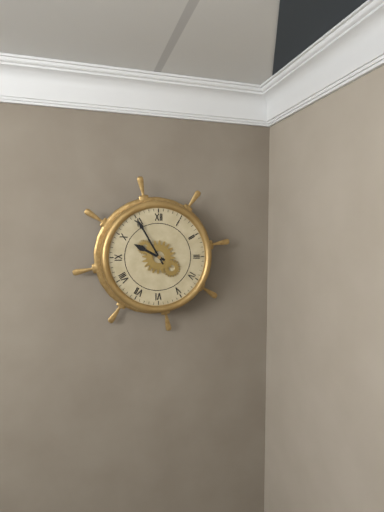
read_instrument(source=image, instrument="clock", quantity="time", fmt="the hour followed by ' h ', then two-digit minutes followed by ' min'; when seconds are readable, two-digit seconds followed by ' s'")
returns 9 h 55 min
